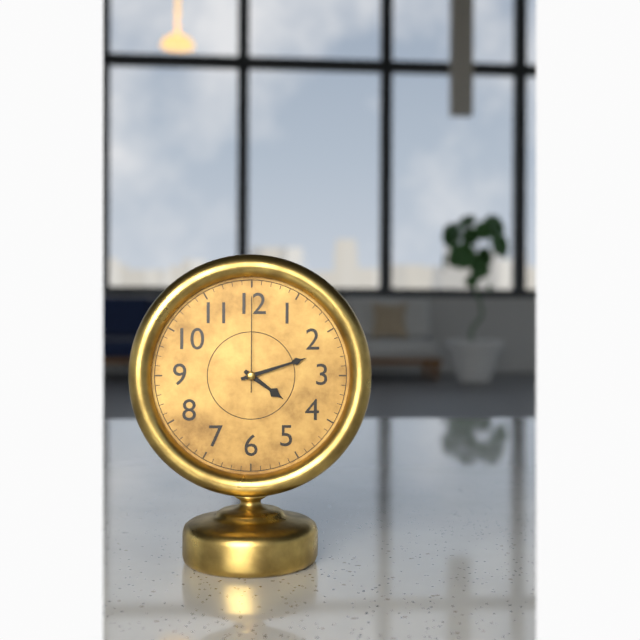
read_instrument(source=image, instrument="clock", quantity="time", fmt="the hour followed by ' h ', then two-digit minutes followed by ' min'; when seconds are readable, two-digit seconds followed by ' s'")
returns 4 h 12 min 00 s
